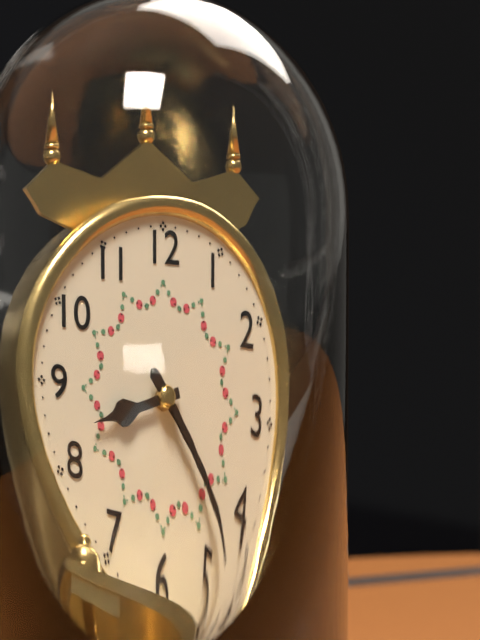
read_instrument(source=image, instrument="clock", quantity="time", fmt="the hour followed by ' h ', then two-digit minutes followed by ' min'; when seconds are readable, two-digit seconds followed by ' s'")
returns 8 h 23 min
